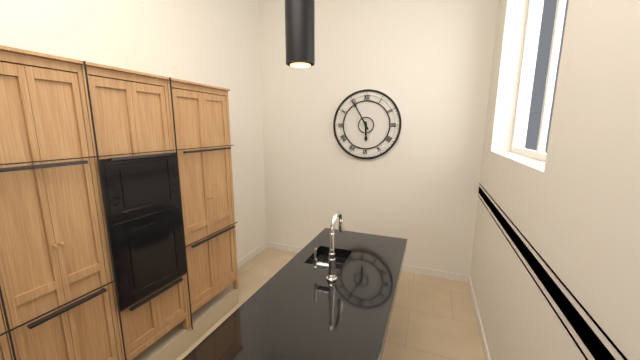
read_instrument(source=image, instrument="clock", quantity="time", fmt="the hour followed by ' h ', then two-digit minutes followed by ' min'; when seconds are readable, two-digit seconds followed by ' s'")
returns 5 h 55 min
